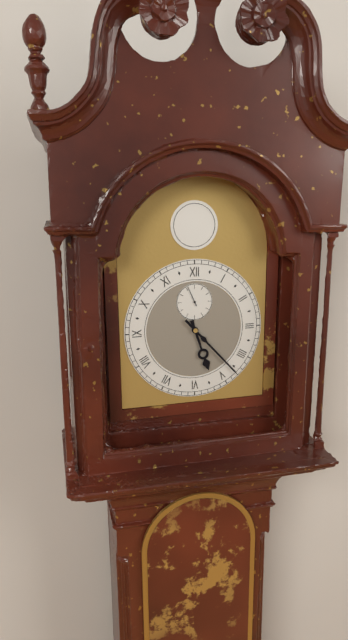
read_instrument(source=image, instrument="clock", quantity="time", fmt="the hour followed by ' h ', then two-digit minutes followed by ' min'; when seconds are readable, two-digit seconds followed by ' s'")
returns 5 h 23 min
